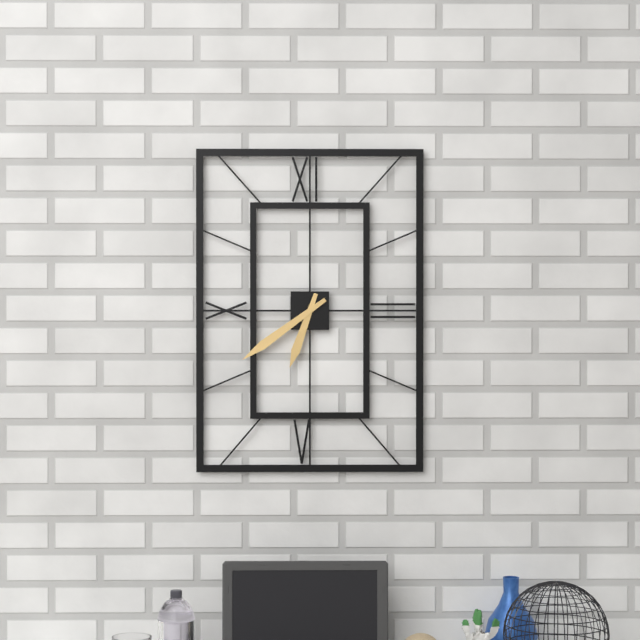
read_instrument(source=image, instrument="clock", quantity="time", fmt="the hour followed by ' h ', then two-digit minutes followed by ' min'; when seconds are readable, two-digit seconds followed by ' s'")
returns 6 h 39 min
